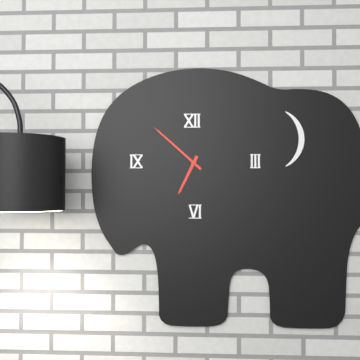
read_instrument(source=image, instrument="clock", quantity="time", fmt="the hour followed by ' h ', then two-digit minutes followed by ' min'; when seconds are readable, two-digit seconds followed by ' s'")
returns 6 h 52 min
